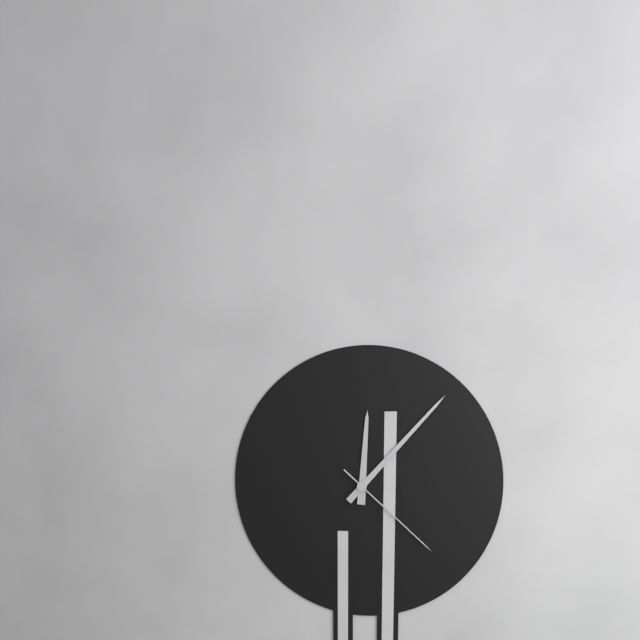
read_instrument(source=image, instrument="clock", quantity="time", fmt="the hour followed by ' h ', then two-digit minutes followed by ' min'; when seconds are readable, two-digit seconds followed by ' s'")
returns 12 h 07 min 22 s
